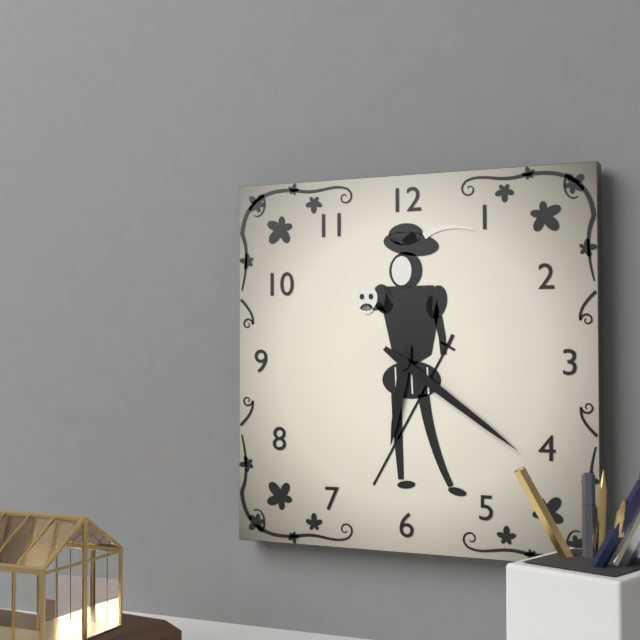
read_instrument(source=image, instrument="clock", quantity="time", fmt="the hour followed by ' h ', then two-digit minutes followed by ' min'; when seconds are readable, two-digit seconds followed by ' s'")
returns 6 h 21 min
